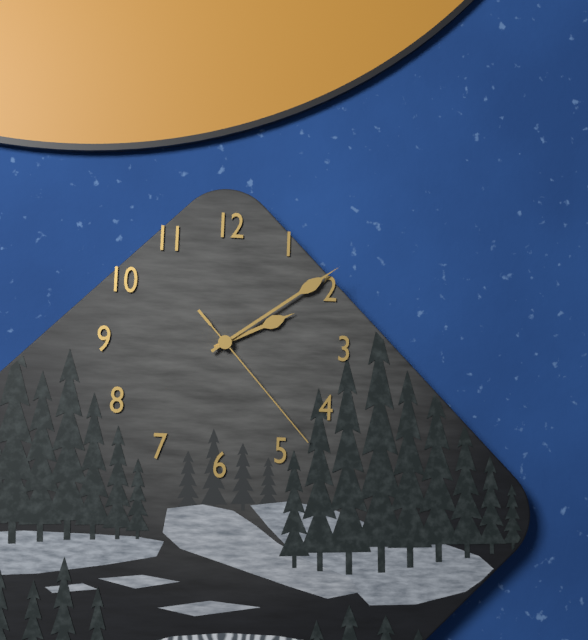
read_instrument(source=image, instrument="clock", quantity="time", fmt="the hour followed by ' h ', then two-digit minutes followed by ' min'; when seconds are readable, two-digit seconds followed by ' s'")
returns 2 h 09 min 23 s
